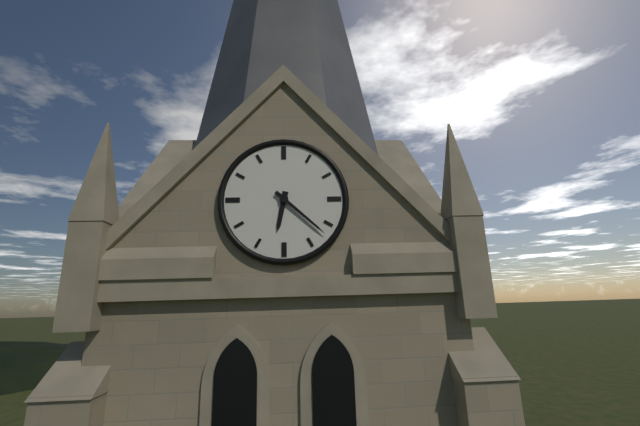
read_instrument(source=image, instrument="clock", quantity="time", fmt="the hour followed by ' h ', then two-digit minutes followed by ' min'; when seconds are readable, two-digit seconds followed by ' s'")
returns 6 h 22 min
